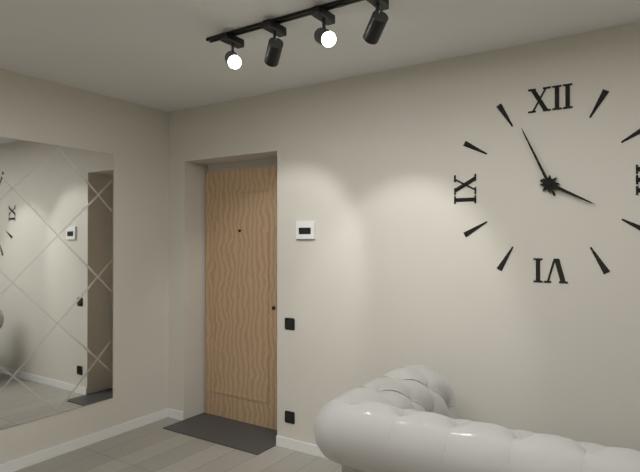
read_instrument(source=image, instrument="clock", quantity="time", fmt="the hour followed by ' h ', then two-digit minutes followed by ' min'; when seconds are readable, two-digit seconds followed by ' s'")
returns 3 h 56 min
